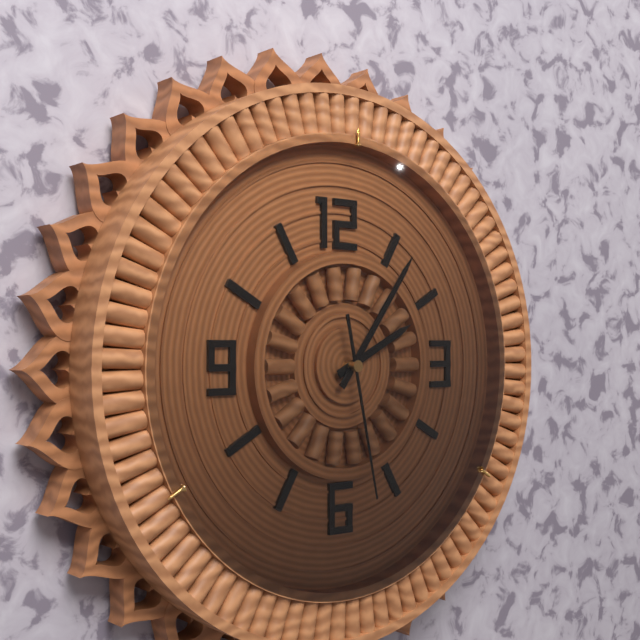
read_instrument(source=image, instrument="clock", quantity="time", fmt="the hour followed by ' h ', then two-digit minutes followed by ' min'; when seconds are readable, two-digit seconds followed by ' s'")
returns 2 h 06 min 28 s
